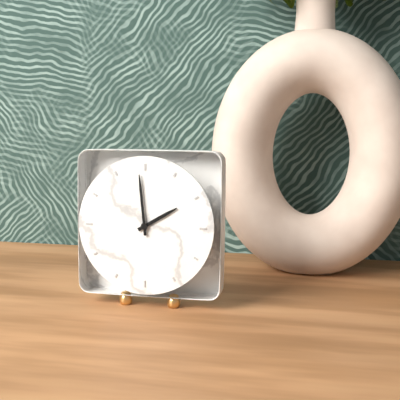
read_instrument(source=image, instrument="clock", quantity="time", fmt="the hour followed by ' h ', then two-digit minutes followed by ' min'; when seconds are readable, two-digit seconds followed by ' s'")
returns 1 h 59 min
